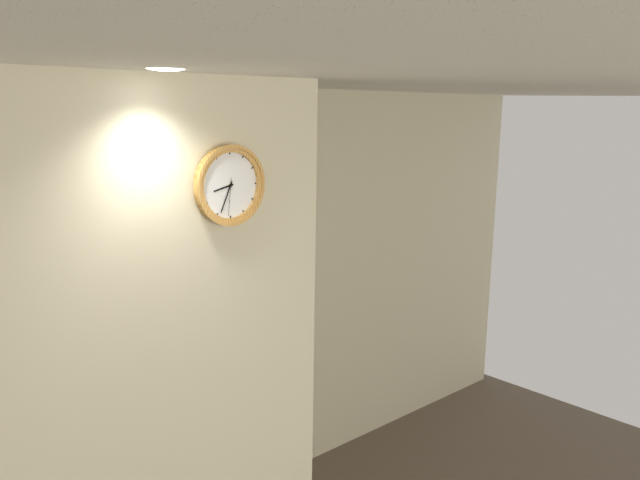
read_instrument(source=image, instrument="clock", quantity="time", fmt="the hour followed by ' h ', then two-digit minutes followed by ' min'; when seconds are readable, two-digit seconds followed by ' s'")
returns 8 h 34 min
